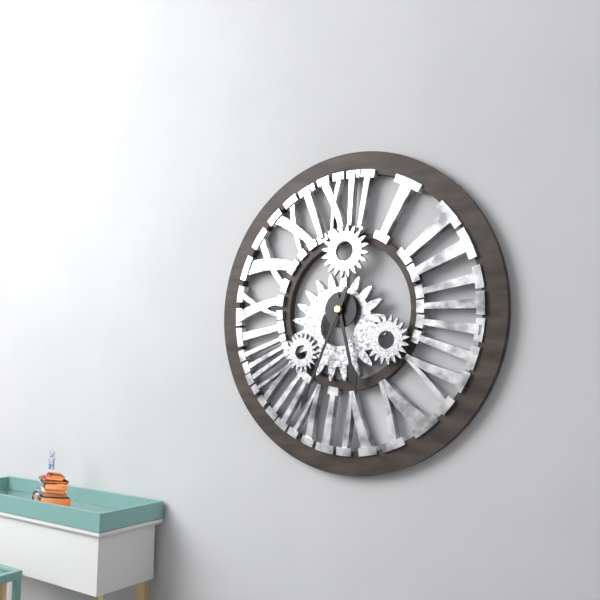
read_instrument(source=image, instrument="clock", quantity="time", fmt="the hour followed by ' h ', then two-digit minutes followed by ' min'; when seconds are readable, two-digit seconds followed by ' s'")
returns 5 h 34 min
